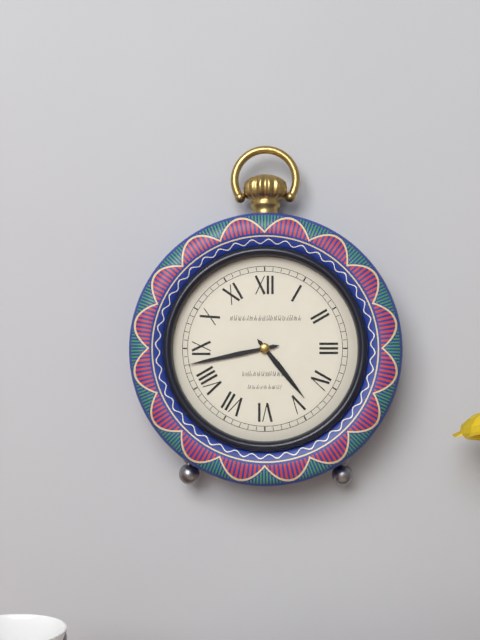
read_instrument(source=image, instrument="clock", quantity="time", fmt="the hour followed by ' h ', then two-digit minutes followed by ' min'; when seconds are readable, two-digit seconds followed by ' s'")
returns 4 h 43 min
